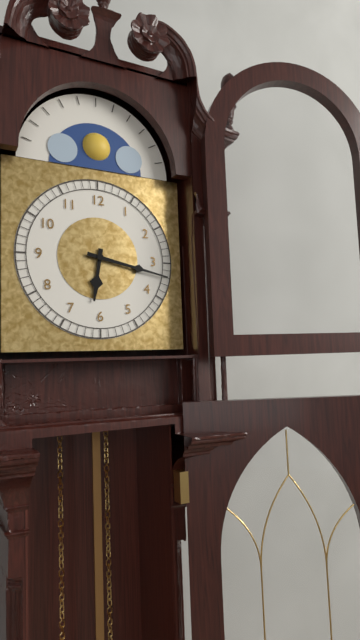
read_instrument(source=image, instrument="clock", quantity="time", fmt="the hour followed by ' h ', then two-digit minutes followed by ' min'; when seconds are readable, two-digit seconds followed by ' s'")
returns 6 h 17 min
